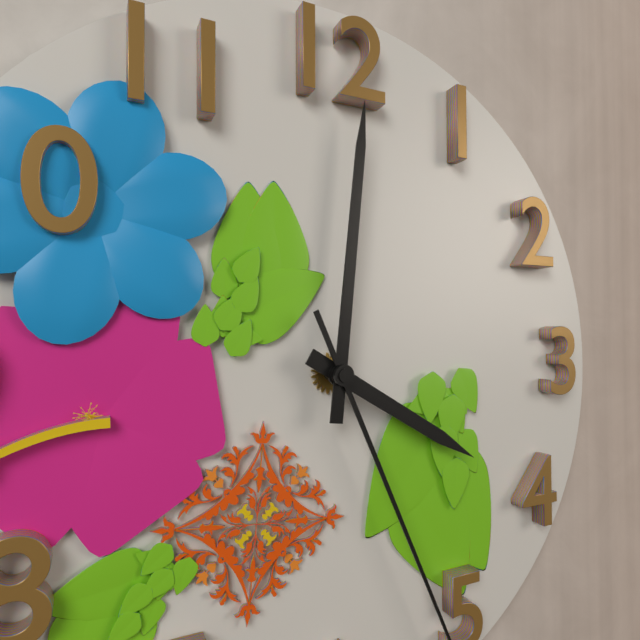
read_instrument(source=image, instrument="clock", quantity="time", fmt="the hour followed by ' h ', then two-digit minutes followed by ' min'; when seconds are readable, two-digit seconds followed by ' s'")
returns 4 h 01 min
